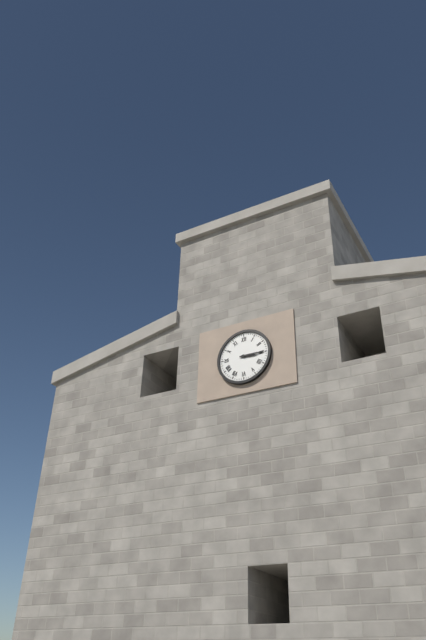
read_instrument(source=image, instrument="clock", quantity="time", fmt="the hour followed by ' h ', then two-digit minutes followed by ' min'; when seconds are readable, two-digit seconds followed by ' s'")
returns 3 h 15 min
